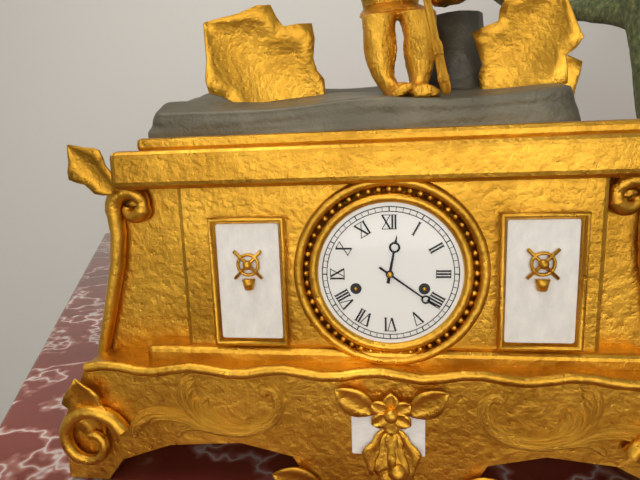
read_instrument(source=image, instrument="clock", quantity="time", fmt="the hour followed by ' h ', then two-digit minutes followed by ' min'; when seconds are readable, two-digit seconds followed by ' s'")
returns 12 h 21 min
